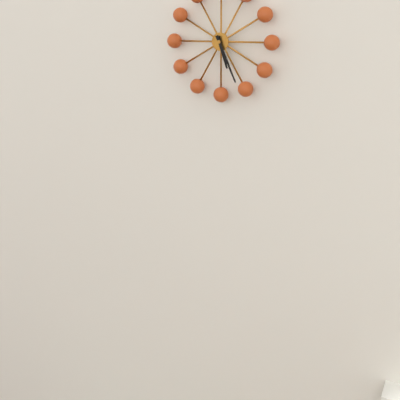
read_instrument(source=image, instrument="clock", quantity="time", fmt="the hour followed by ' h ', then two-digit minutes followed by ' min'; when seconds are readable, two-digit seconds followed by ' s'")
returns 5 h 26 min
